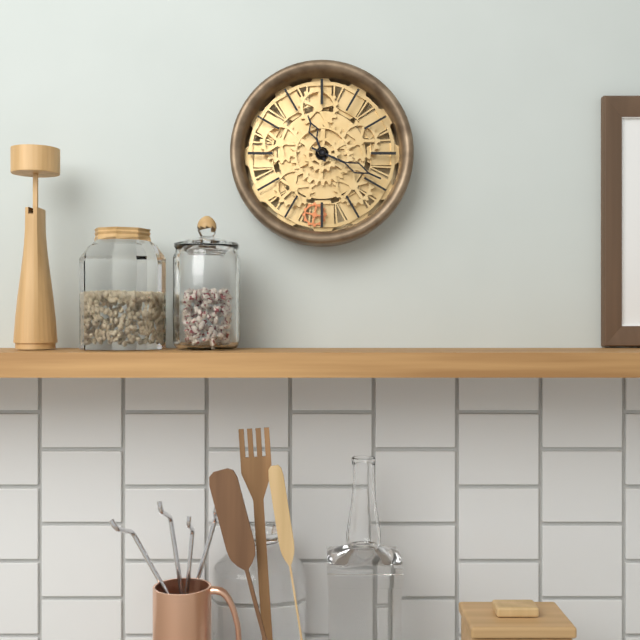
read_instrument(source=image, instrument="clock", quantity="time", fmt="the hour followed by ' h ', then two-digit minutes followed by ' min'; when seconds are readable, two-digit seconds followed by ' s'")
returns 11 h 19 min
